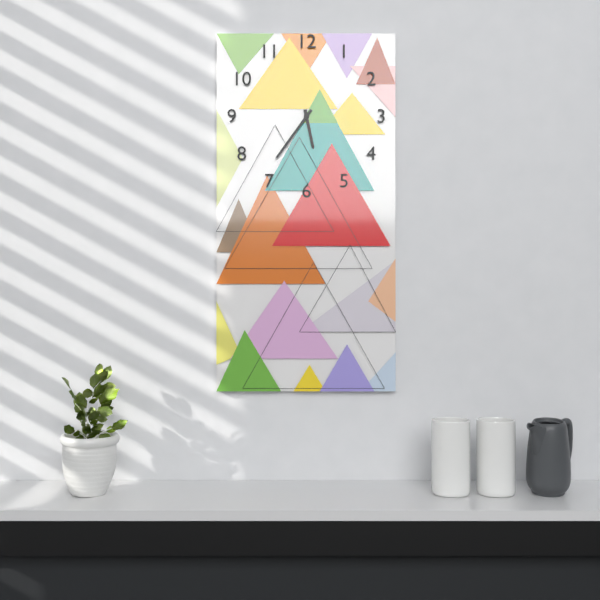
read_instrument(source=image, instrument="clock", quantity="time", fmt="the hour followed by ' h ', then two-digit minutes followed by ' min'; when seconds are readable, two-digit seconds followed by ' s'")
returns 5 h 36 min
